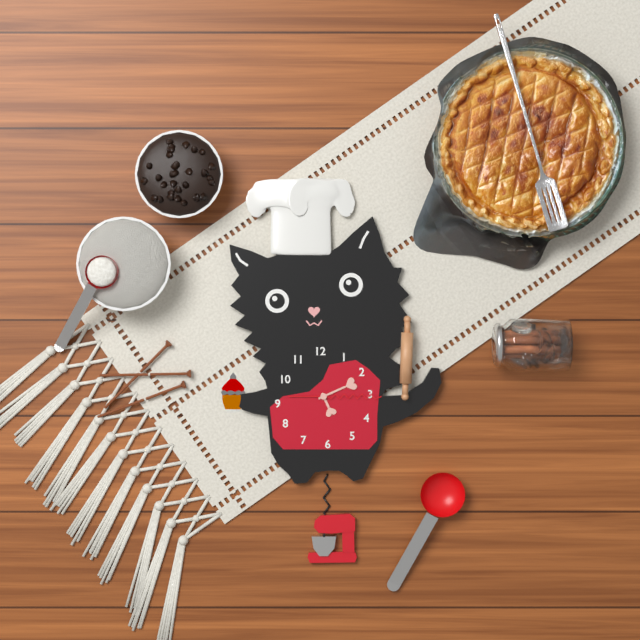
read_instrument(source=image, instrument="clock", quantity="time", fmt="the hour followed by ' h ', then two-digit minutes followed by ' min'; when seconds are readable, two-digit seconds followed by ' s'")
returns 5 h 11 min 15 s
